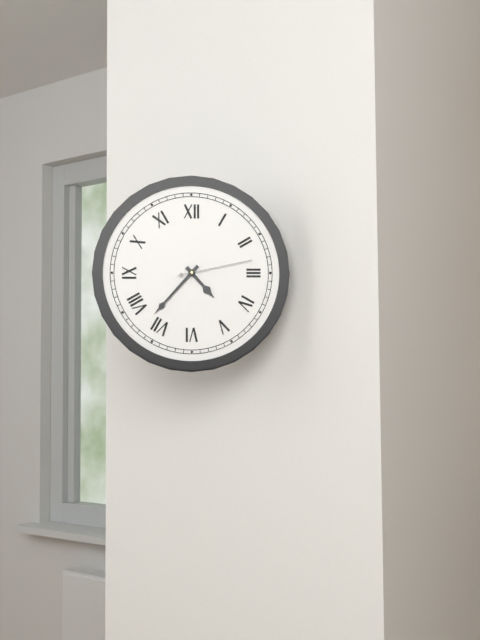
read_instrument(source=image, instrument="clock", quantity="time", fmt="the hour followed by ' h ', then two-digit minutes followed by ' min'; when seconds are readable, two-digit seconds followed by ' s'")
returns 4 h 37 min 13 s
